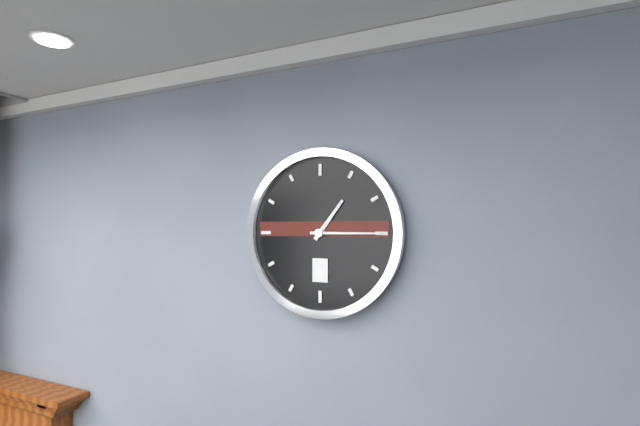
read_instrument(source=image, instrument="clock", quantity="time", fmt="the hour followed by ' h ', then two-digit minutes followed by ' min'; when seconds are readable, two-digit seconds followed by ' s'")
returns 1 h 15 min
